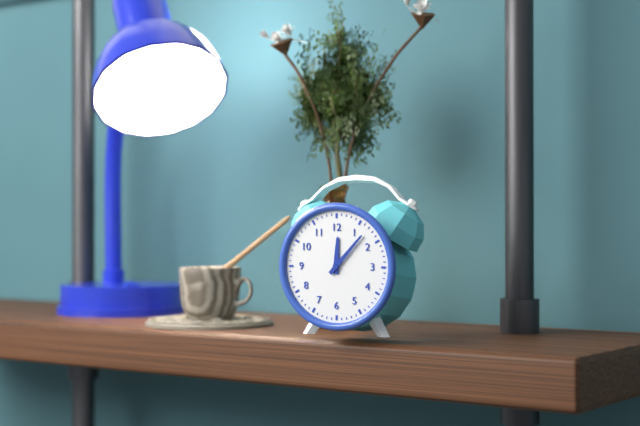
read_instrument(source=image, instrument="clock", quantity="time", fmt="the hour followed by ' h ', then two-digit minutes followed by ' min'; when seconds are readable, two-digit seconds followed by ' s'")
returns 12 h 07 min
